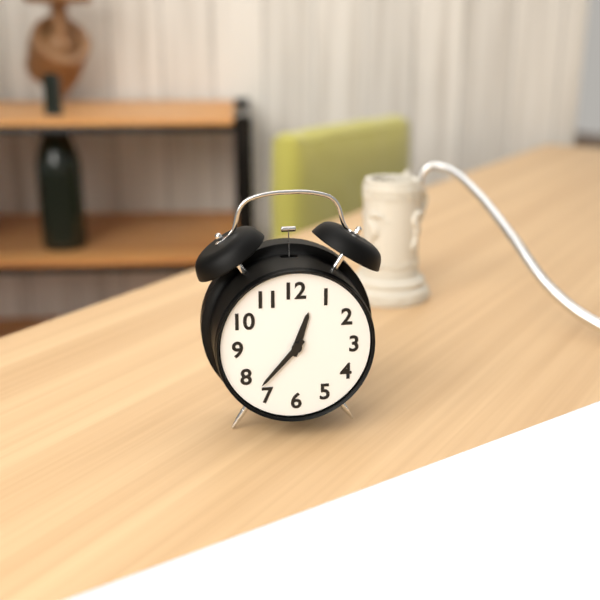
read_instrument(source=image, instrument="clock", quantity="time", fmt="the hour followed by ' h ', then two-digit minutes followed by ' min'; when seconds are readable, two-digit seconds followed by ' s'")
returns 12 h 37 min
